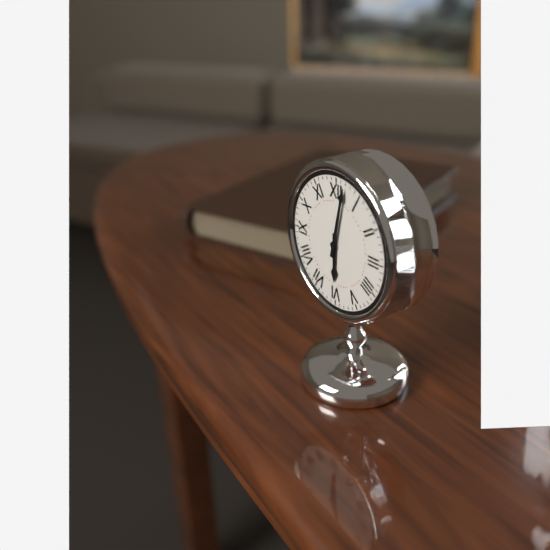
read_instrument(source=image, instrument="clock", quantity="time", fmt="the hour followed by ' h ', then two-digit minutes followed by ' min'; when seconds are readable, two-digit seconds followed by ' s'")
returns 6 h 02 min
